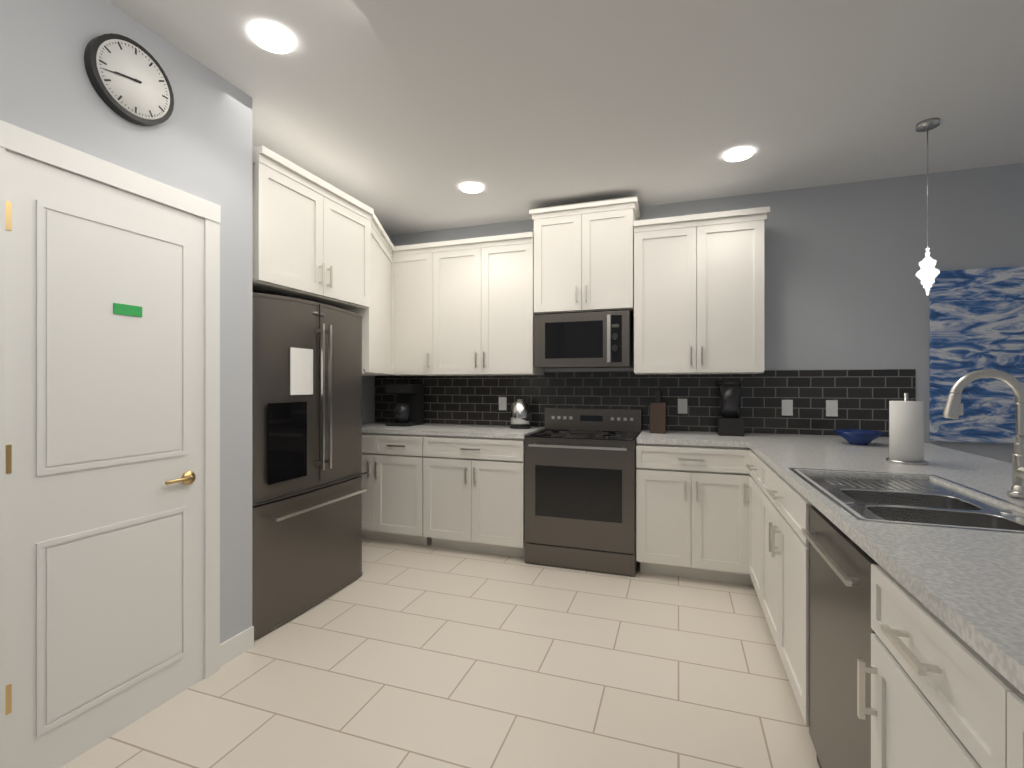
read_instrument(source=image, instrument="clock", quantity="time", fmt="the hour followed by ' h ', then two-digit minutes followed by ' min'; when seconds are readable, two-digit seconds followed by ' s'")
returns 8 h 43 min
